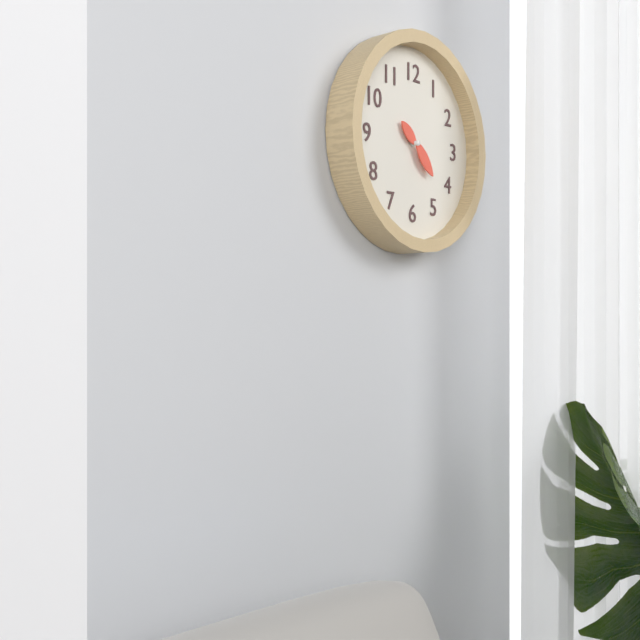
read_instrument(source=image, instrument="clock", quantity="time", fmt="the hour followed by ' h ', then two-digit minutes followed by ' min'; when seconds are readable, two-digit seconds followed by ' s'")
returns 10 h 23 min
